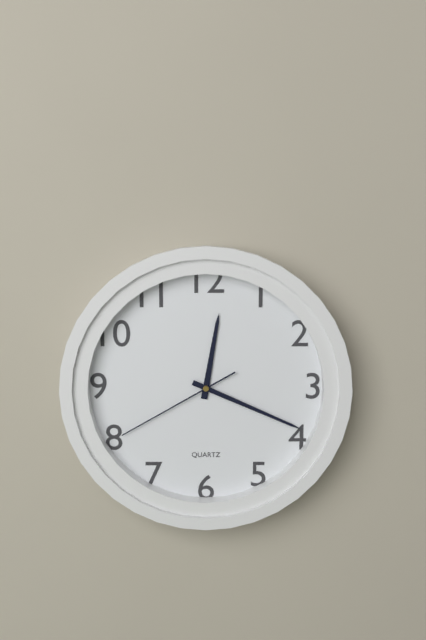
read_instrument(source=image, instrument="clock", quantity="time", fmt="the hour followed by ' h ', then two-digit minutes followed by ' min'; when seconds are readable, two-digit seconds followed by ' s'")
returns 12 h 19 min 40 s
